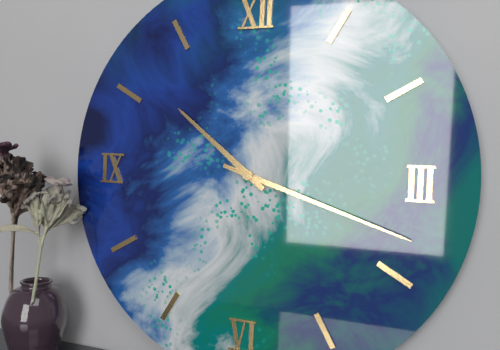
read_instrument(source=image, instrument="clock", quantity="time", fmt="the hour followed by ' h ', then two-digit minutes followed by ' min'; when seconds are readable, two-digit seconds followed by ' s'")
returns 10 h 18 min
